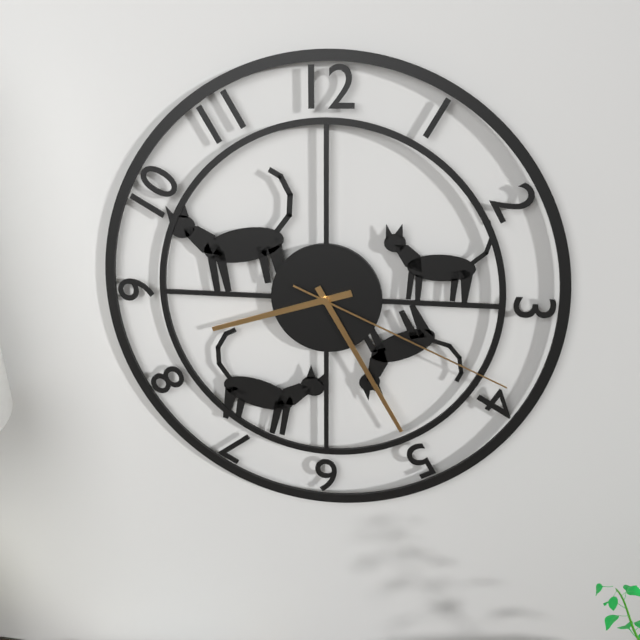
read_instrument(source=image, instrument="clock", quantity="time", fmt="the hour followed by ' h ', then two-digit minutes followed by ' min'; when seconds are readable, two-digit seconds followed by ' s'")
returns 8 h 25 min 19 s
